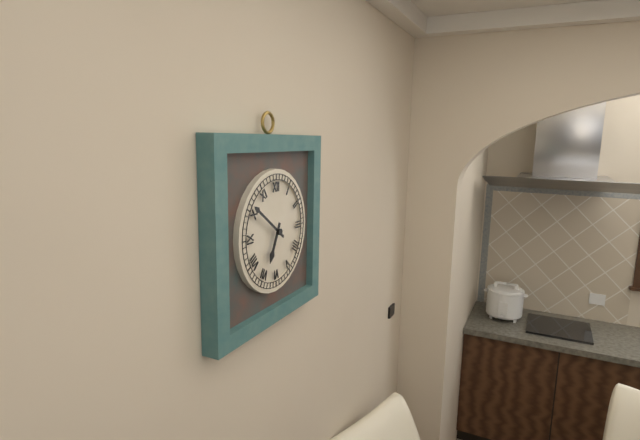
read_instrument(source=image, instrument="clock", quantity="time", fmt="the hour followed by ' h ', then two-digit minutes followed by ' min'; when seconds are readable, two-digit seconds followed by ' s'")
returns 6 h 51 min
